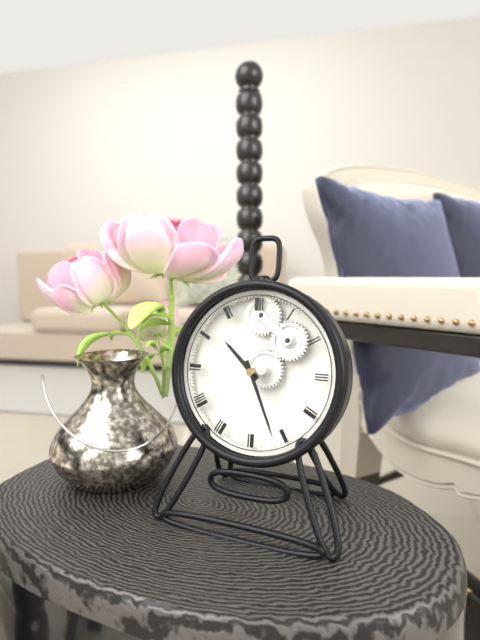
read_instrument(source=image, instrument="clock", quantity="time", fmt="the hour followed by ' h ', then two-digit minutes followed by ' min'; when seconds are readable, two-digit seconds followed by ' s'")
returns 10 h 26 min
